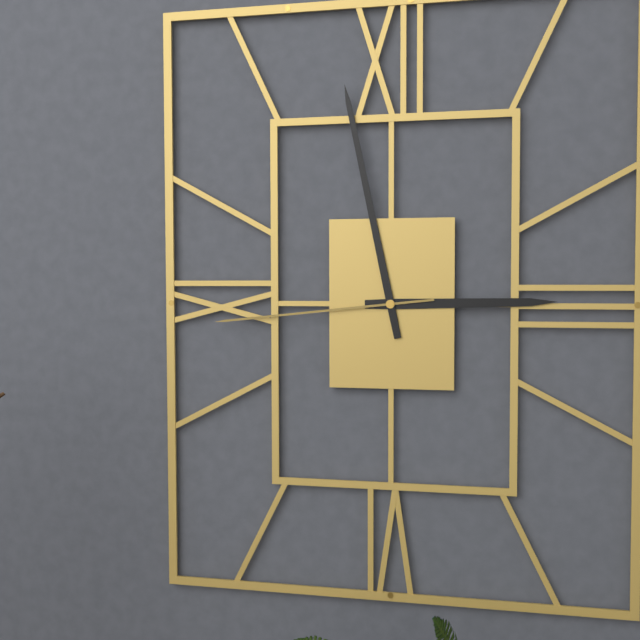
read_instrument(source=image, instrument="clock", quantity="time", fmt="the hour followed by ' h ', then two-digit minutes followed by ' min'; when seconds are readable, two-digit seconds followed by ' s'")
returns 2 h 58 min 44 s
